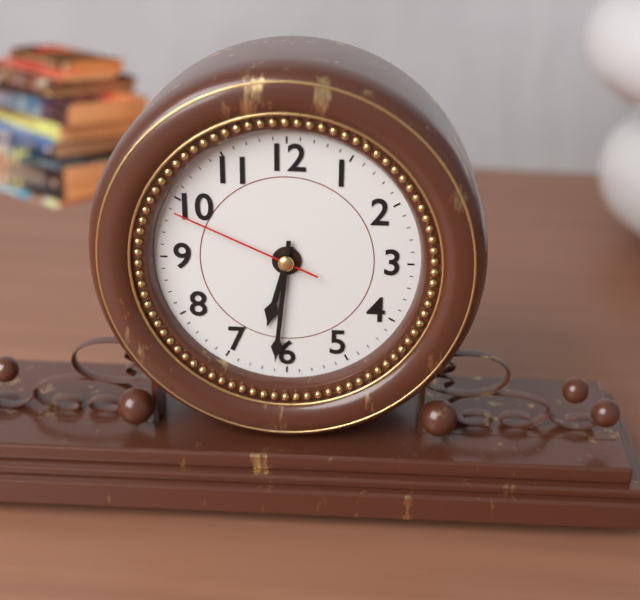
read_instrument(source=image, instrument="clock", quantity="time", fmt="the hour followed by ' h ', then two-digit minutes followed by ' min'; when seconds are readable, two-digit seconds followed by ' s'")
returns 6 h 31 min 49 s
